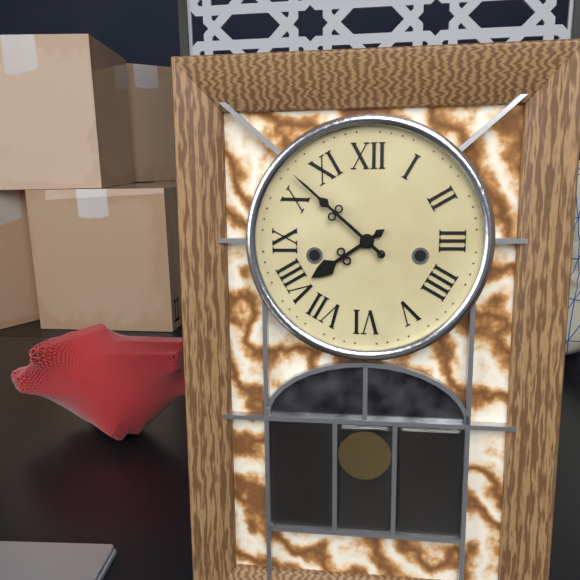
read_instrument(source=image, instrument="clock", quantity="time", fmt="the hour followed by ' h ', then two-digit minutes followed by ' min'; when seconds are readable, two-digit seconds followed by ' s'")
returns 7 h 52 min
